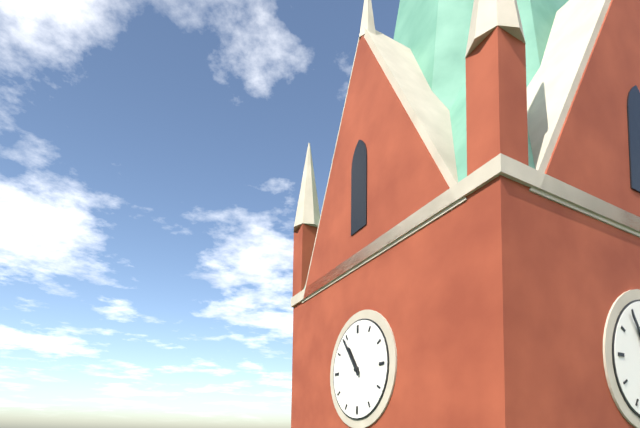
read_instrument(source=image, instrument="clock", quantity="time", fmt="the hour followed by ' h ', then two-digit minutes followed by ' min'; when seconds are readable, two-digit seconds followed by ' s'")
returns 10 h 54 min
